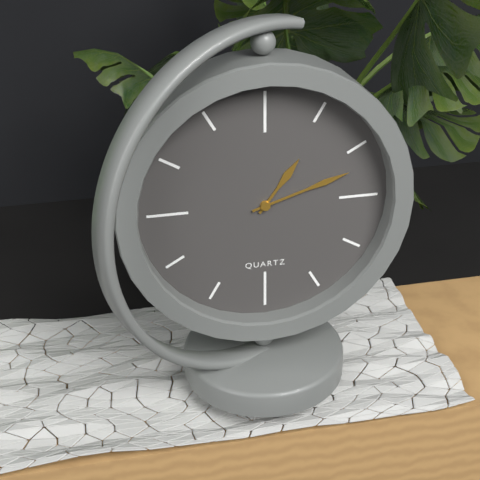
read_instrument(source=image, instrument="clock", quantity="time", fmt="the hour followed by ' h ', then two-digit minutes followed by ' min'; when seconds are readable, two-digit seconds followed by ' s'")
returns 1 h 12 min
